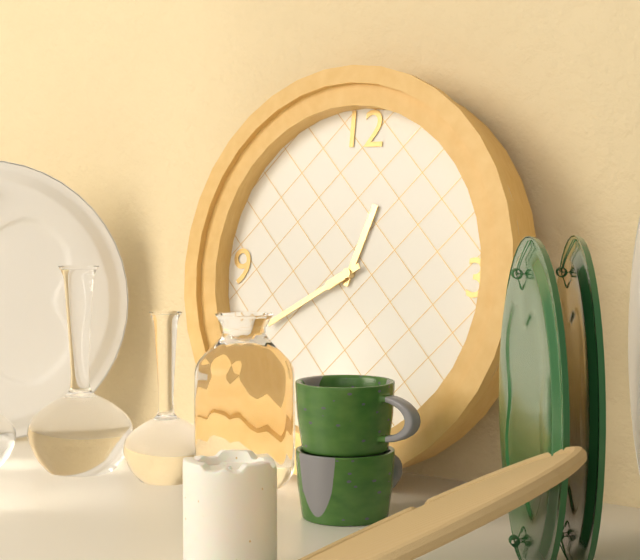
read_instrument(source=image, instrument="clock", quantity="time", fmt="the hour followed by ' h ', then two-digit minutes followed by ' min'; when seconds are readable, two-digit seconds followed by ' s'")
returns 12 h 40 min
